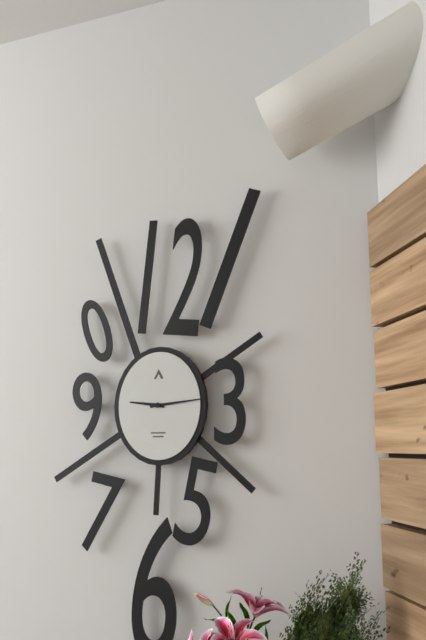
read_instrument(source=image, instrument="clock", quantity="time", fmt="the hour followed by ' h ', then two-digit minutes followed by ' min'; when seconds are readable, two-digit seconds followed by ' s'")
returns 9 h 14 min
